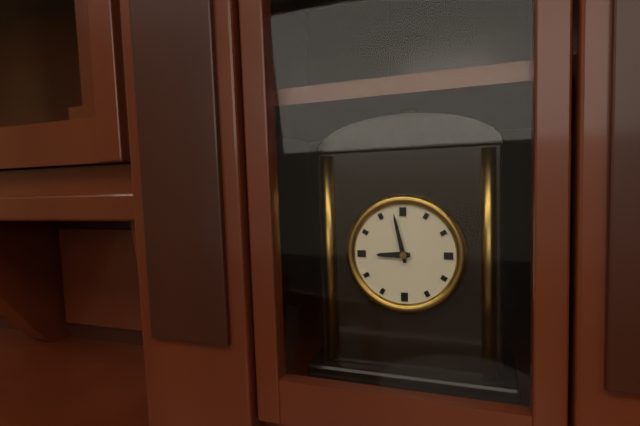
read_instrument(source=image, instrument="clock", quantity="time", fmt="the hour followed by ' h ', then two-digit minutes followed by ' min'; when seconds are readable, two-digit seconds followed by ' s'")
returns 8 h 58 min
